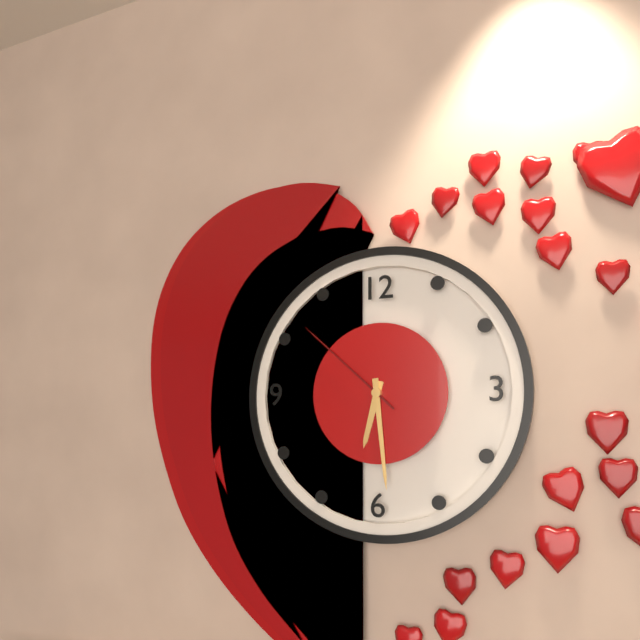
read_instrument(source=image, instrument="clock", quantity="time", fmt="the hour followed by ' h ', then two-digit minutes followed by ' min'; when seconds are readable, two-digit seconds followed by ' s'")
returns 6 h 29 min 52 s
